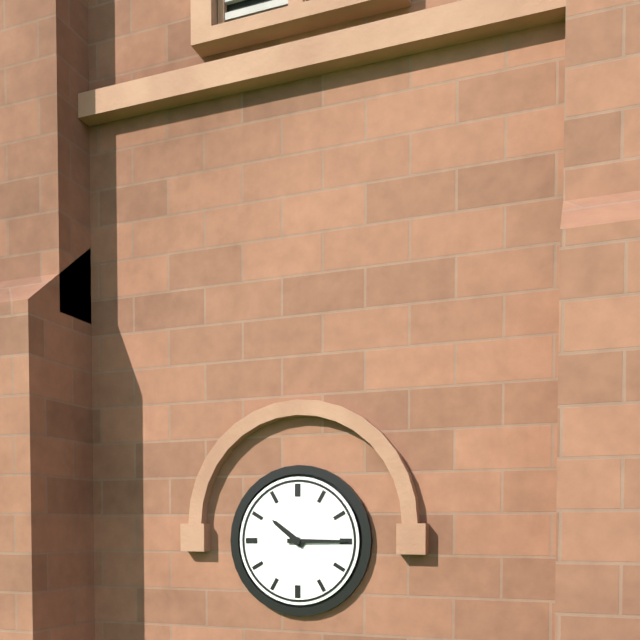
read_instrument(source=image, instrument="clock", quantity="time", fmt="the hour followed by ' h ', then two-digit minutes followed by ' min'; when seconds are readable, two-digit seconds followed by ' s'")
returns 10 h 15 min
